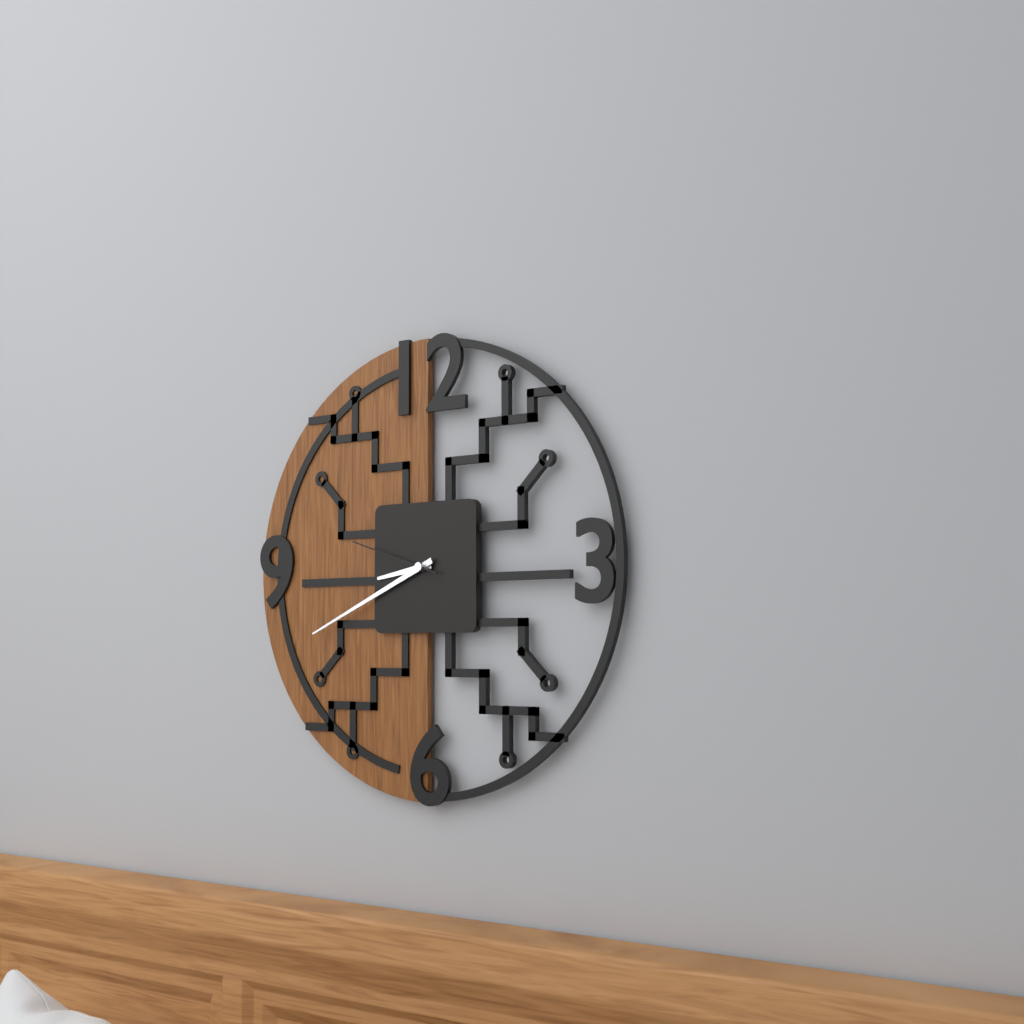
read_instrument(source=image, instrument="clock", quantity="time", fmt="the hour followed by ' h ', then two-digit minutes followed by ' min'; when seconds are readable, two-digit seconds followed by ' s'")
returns 8 h 41 min 48 s
